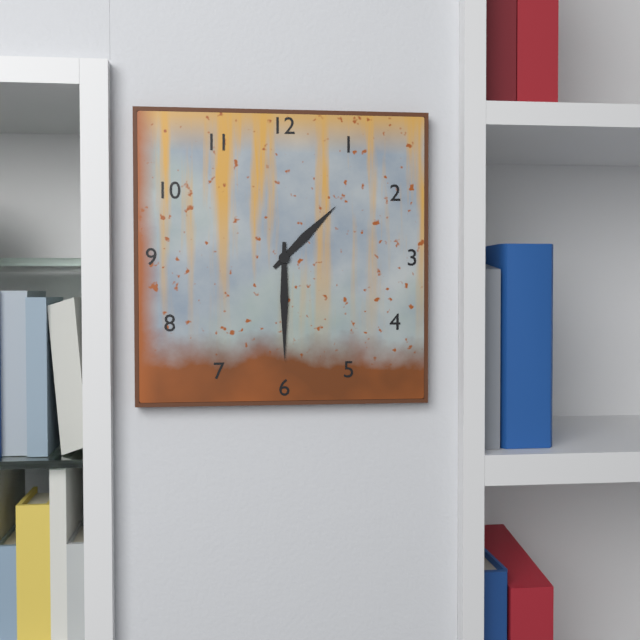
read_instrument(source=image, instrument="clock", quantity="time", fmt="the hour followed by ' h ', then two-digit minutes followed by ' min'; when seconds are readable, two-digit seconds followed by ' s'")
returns 1 h 30 min
